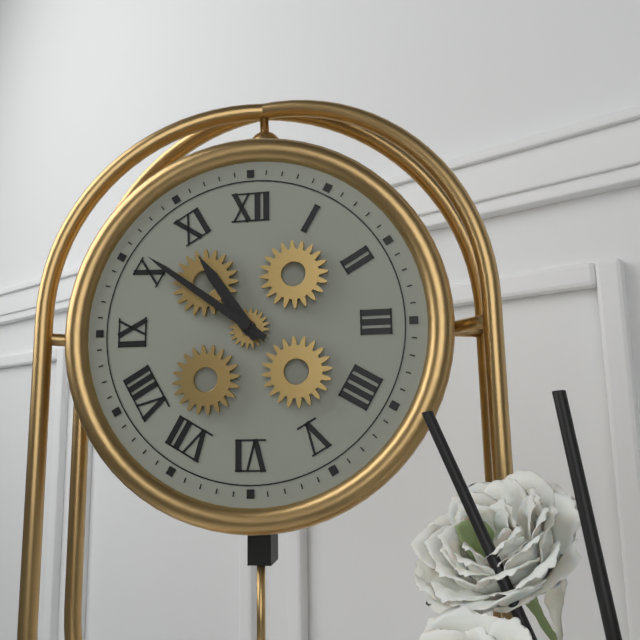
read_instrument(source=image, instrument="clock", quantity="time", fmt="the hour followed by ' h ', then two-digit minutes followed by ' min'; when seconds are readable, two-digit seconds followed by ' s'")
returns 10 h 51 min
